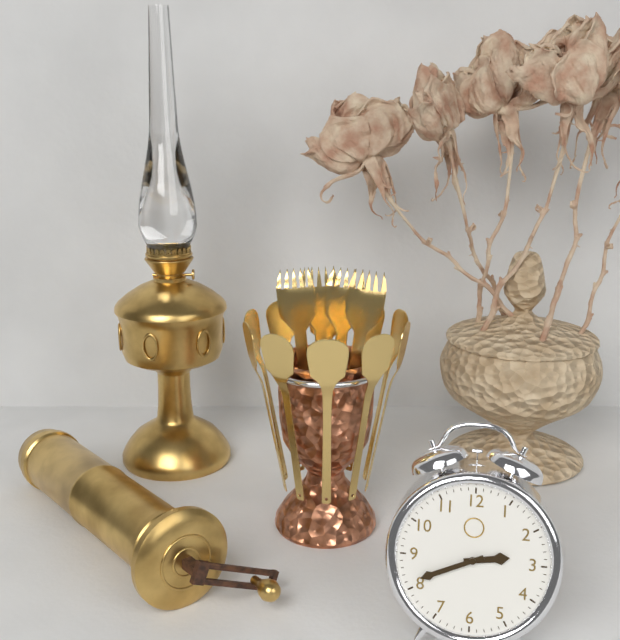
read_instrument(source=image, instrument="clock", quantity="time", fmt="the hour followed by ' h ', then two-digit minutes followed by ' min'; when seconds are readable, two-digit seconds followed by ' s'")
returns 2 h 41 min
